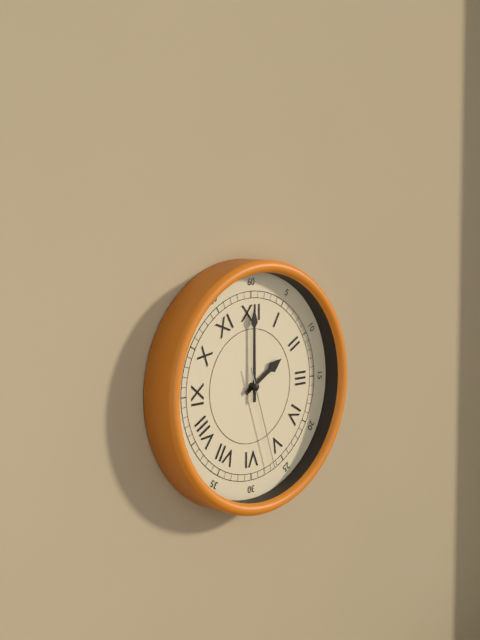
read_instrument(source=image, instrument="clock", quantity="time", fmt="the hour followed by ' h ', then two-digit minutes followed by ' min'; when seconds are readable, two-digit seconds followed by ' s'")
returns 2 h 00 min 27 s
